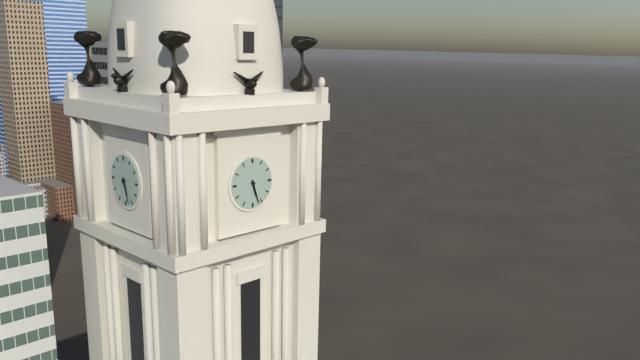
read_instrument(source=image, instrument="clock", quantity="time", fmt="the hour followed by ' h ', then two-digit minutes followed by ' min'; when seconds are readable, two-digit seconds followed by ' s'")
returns 5 h 27 min
